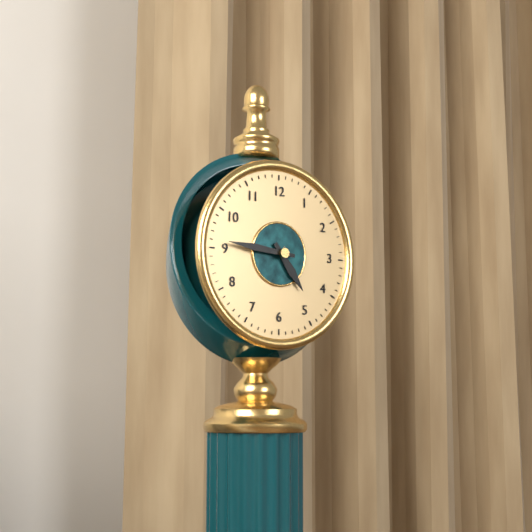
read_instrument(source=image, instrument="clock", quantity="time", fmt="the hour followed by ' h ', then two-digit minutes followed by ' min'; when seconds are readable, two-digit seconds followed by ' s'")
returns 4 h 46 min
